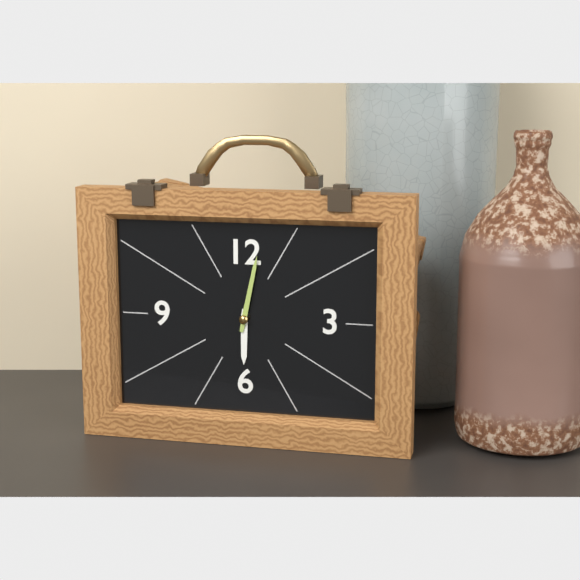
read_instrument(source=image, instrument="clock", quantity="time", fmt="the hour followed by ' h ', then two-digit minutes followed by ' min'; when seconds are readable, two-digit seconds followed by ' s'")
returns 6 h 02 min
